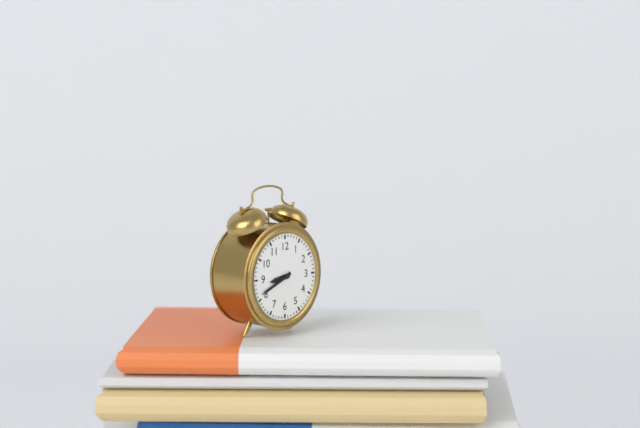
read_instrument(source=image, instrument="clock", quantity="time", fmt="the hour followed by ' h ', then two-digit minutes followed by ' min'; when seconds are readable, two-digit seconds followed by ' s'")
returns 8 h 41 min
